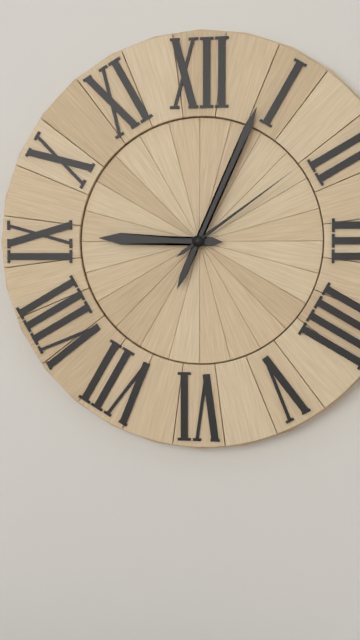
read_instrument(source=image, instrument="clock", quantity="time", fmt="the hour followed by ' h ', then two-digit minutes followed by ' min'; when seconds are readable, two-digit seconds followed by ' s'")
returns 9 h 04 min 09 s
